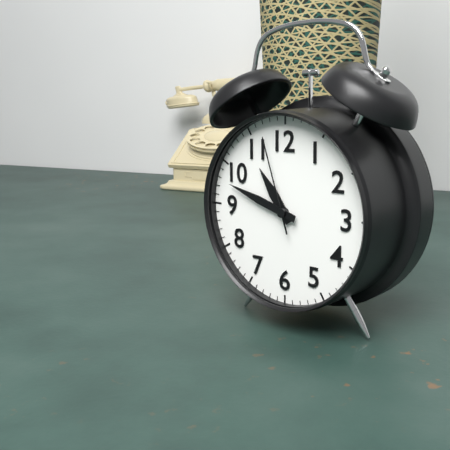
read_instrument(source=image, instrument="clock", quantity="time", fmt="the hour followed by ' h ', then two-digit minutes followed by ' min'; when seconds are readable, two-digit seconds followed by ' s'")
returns 10 h 48 min 57 s
